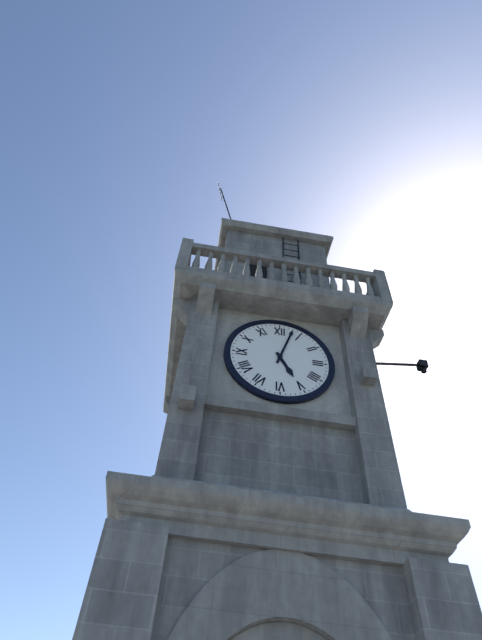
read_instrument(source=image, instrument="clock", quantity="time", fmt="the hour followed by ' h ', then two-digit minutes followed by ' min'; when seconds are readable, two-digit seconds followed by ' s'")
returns 5 h 03 min
